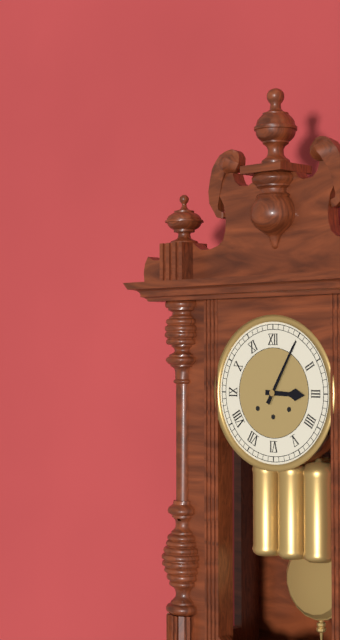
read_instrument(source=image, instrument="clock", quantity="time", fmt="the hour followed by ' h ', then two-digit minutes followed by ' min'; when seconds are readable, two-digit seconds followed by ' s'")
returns 3 h 05 min
